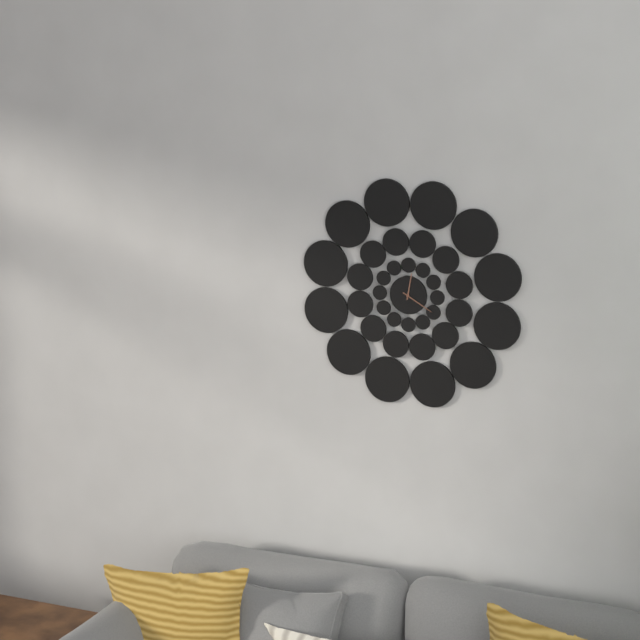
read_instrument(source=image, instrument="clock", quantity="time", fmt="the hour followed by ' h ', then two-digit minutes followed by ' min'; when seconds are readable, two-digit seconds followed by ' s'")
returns 12 h 20 min
